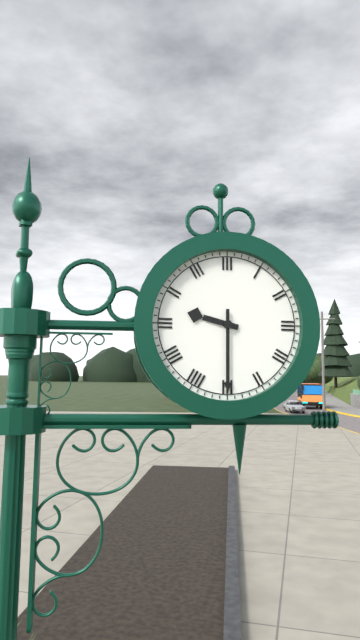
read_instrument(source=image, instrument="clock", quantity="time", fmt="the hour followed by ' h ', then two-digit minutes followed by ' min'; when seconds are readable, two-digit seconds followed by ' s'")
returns 9 h 30 min
